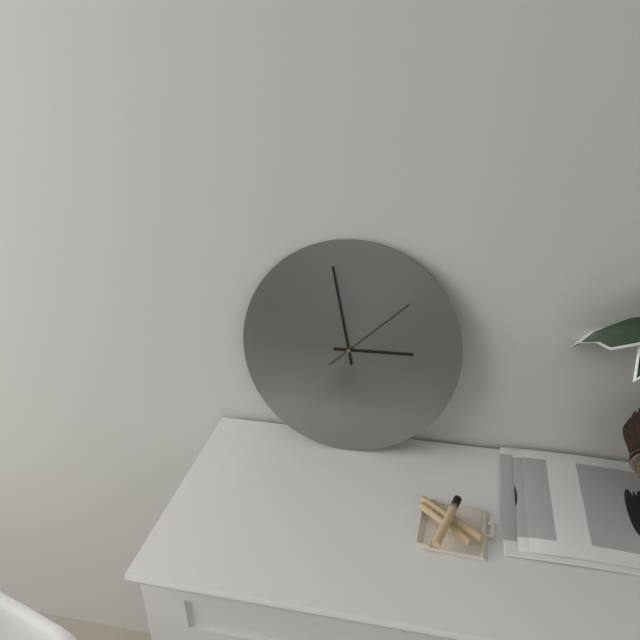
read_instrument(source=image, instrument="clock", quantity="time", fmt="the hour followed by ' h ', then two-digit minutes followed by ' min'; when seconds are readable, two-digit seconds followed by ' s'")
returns 2 h 58 min 08 s
